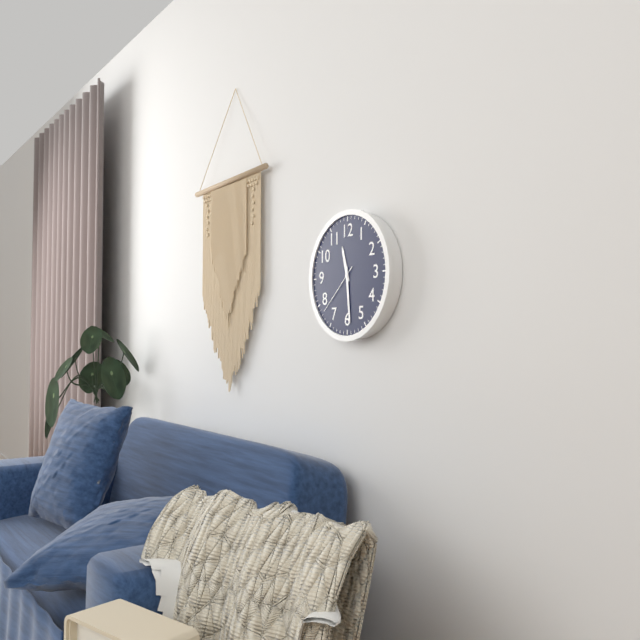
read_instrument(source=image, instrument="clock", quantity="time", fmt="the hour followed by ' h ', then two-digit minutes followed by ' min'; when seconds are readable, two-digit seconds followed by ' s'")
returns 11 h 29 min 38 s
